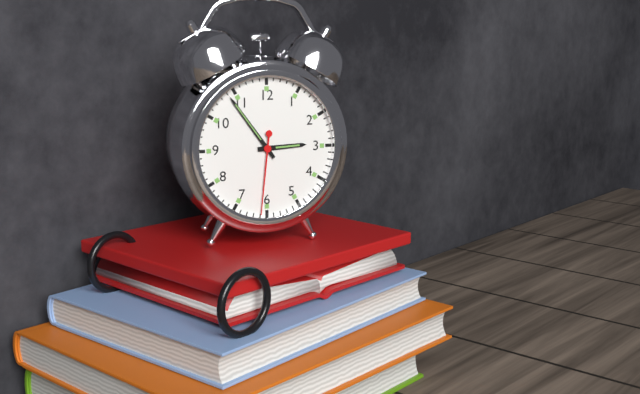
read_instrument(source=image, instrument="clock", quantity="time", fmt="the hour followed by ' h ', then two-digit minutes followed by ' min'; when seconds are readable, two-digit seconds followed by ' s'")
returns 2 h 54 min 31 s
